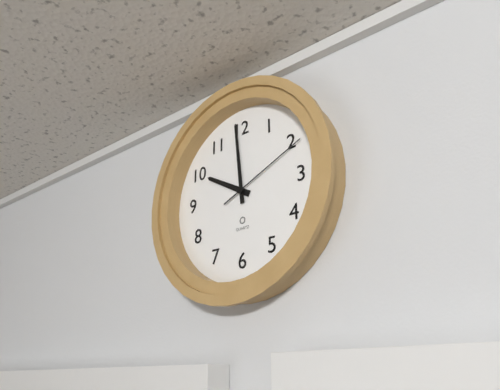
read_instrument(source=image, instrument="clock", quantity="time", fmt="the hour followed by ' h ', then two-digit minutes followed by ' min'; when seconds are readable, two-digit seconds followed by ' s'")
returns 9 h 59 min 11 s
